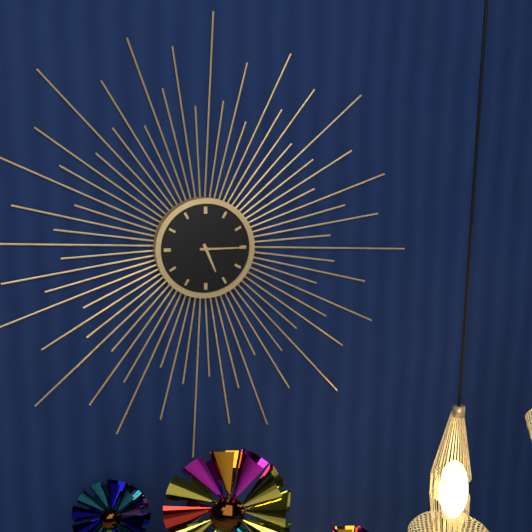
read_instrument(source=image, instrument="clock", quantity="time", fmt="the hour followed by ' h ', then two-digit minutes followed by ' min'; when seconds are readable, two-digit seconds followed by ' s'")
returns 5 h 15 min
